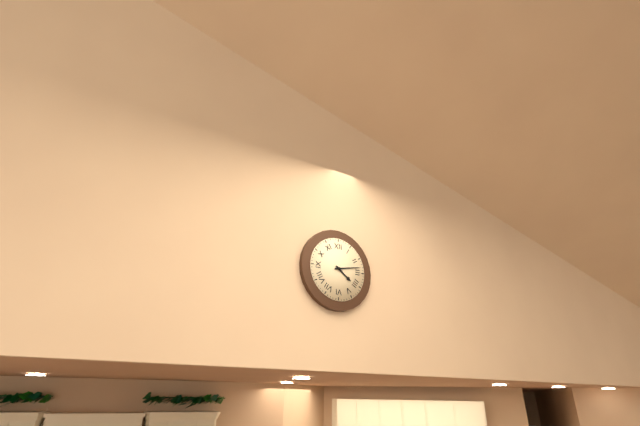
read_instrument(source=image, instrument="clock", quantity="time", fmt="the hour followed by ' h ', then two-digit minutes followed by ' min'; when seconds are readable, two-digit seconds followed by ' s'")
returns 4 h 13 min
